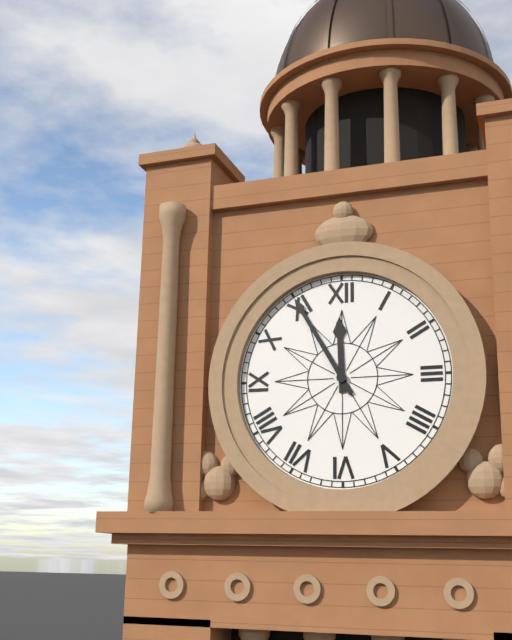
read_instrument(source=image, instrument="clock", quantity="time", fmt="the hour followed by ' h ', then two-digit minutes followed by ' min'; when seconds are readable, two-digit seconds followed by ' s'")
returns 11 h 55 min
